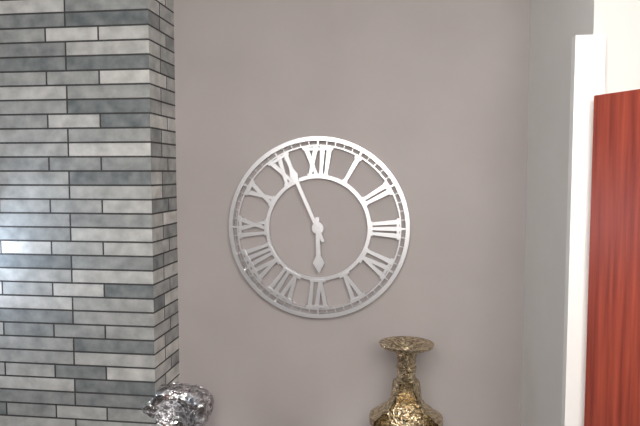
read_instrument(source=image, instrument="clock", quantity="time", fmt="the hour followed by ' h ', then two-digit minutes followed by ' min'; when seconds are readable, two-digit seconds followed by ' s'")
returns 5 h 56 min
